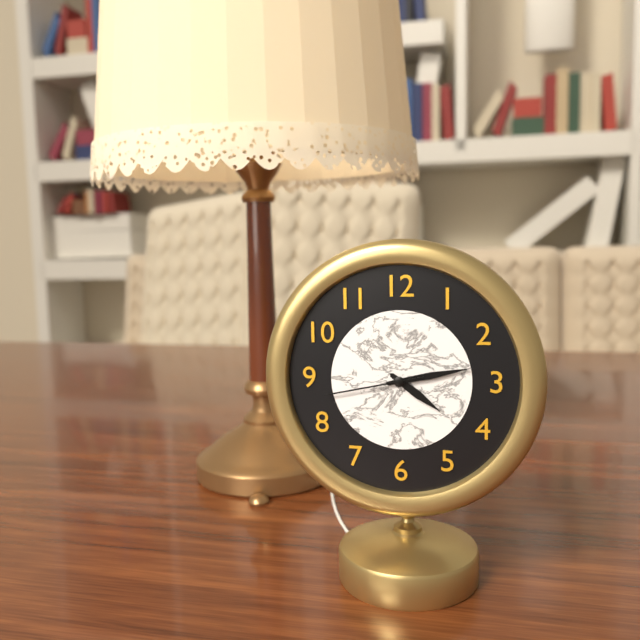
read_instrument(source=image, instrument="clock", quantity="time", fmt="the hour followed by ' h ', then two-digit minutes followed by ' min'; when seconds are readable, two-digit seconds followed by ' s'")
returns 4 h 13 min 43 s
